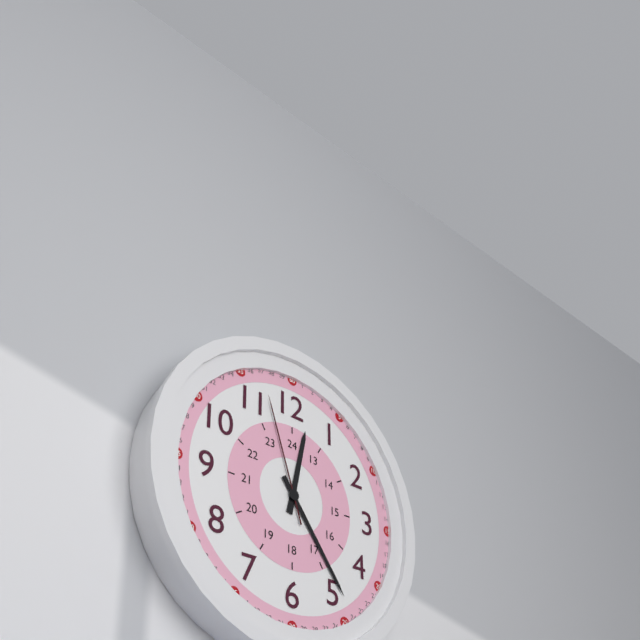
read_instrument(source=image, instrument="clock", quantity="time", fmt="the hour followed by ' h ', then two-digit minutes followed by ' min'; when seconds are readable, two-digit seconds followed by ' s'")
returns 12 h 24 min 57 s
